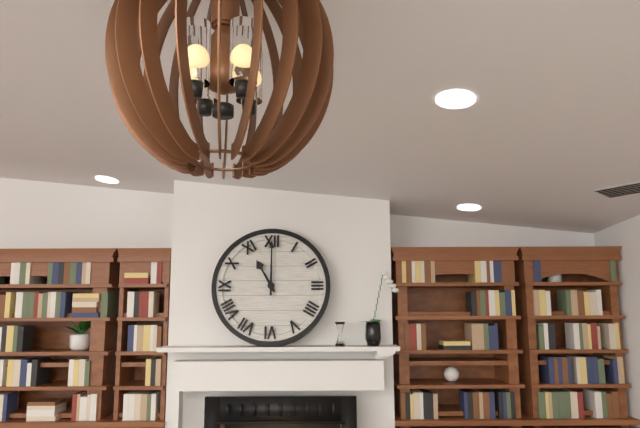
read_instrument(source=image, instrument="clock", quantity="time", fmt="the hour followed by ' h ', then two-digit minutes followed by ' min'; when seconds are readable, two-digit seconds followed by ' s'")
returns 11 h 00 min
